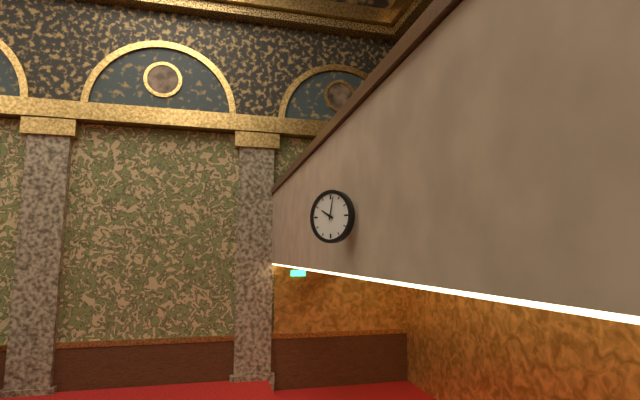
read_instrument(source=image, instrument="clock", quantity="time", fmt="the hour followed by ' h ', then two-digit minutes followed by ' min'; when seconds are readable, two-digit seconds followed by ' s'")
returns 10 h 02 min
